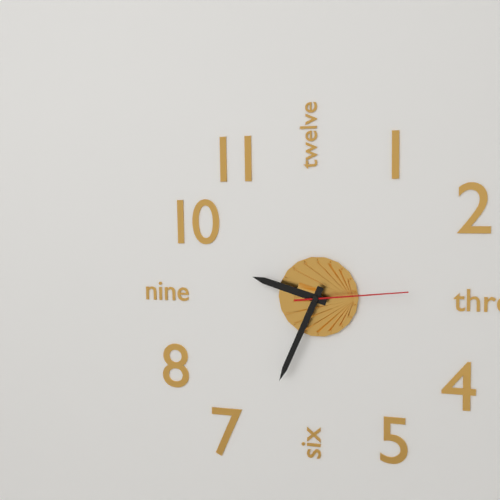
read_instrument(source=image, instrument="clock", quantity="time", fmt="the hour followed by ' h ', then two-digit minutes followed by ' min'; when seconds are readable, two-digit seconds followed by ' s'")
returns 9 h 34 min 14 s
